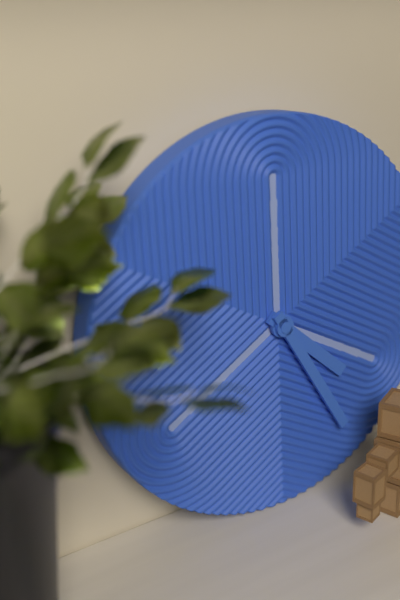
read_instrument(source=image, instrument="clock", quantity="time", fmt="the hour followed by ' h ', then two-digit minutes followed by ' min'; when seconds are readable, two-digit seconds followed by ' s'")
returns 4 h 25 min
